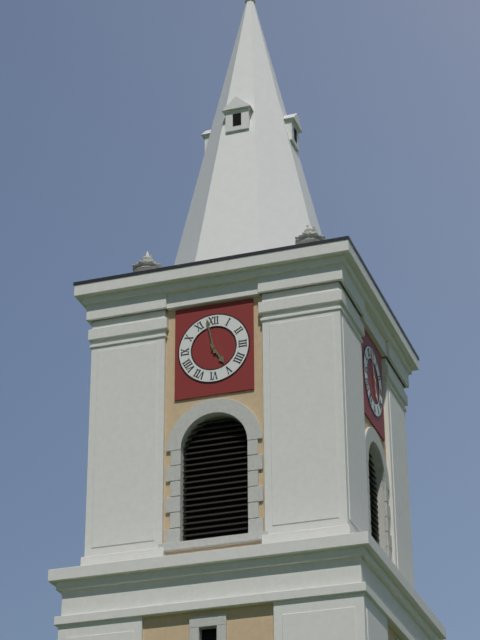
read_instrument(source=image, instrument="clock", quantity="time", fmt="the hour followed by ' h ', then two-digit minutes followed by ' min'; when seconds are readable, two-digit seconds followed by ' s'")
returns 4 h 58 min
